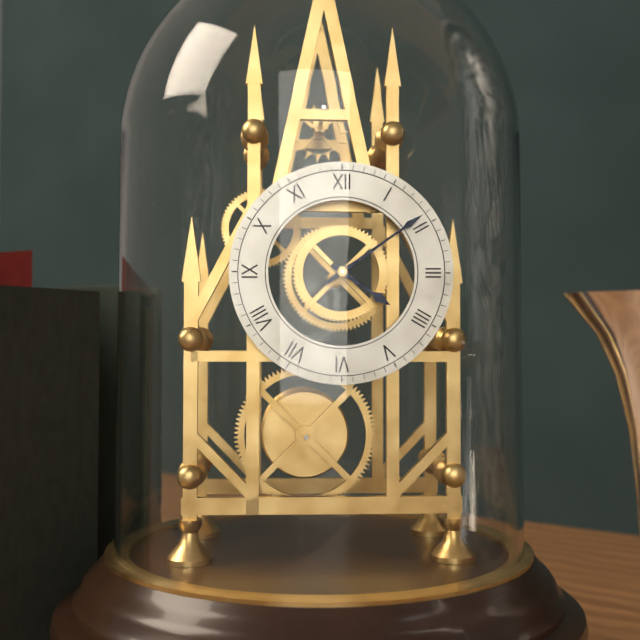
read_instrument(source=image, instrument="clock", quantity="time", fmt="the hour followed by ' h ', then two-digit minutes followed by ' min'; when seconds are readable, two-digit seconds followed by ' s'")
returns 4 h 09 min
